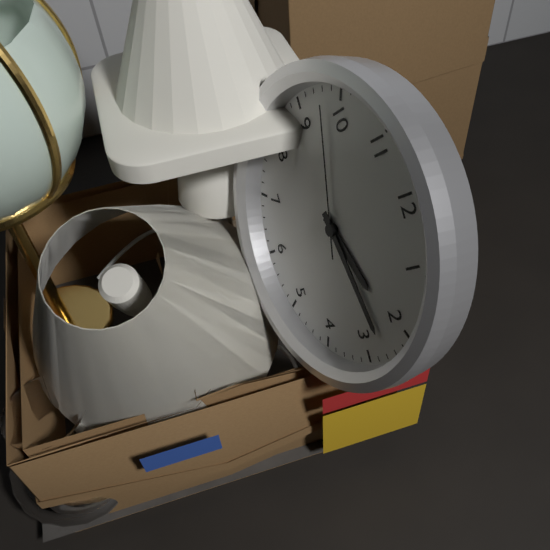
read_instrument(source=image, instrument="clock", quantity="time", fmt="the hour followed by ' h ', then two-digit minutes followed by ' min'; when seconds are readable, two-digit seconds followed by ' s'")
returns 2 h 13 min 48 s
